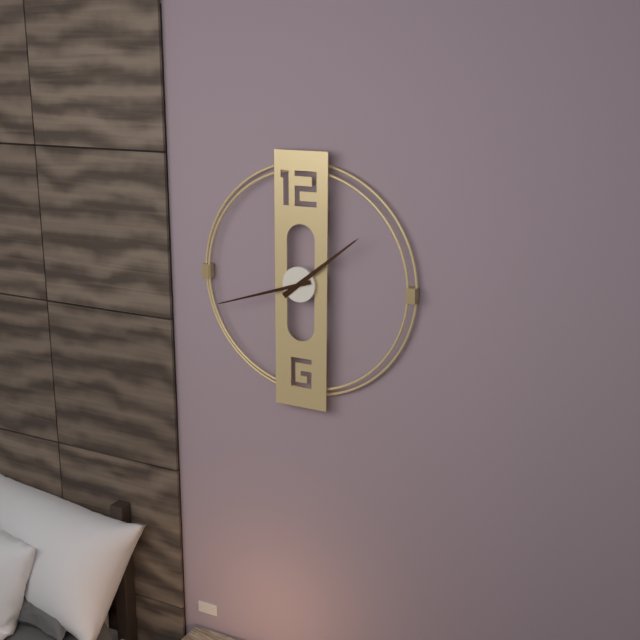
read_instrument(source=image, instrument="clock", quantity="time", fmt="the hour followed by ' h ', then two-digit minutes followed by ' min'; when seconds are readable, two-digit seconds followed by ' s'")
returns 1 h 42 min
